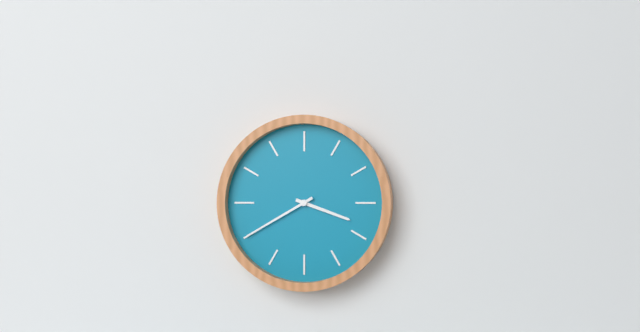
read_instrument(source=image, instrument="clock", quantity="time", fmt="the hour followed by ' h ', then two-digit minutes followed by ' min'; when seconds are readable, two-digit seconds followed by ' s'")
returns 3 h 40 min
